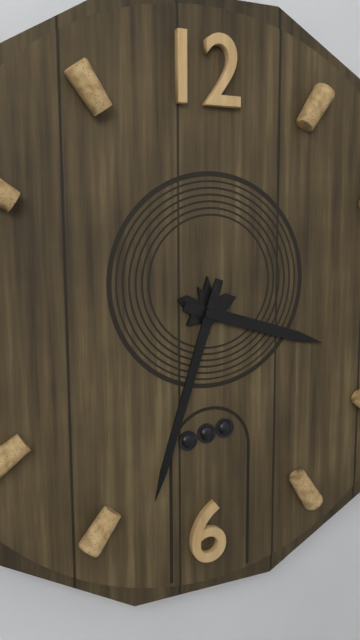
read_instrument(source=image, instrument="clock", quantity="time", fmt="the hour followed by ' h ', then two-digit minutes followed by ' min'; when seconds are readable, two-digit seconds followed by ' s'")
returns 3 h 33 min
